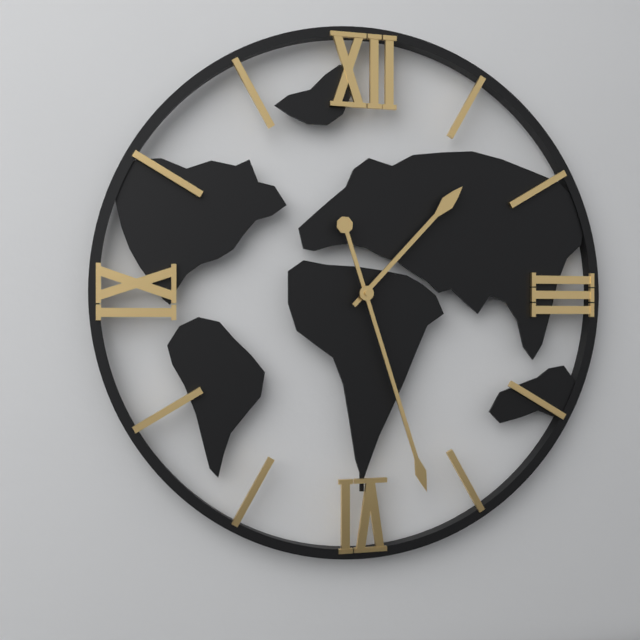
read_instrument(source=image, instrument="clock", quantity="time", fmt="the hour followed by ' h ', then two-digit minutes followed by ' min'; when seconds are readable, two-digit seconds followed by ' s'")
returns 1 h 27 min
